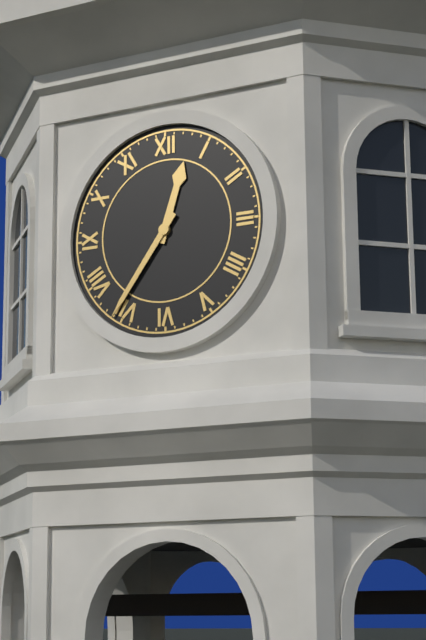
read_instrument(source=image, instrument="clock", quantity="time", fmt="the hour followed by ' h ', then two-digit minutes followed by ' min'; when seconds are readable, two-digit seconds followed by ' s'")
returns 12 h 36 min
